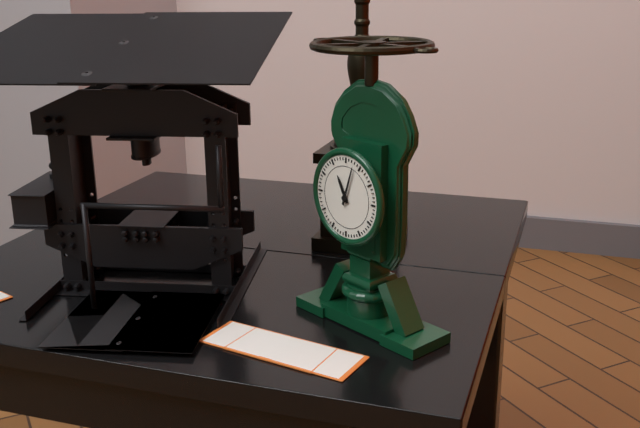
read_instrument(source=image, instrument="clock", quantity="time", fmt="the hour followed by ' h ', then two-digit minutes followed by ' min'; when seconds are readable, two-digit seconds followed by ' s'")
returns 11 h 03 min
